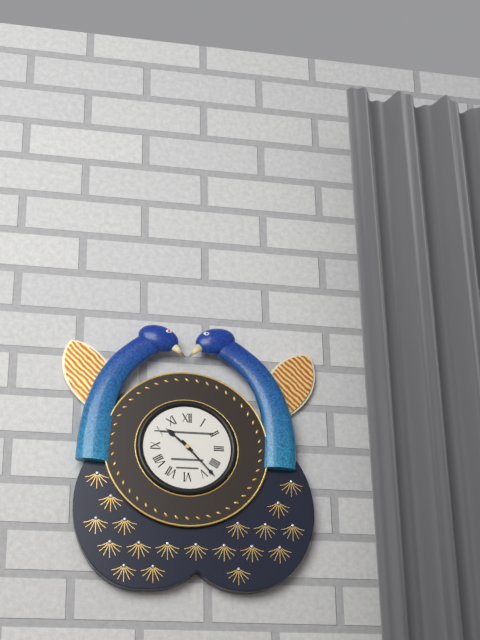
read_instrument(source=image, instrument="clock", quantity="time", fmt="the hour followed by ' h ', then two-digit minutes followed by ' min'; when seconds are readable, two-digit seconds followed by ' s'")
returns 10 h 23 min
